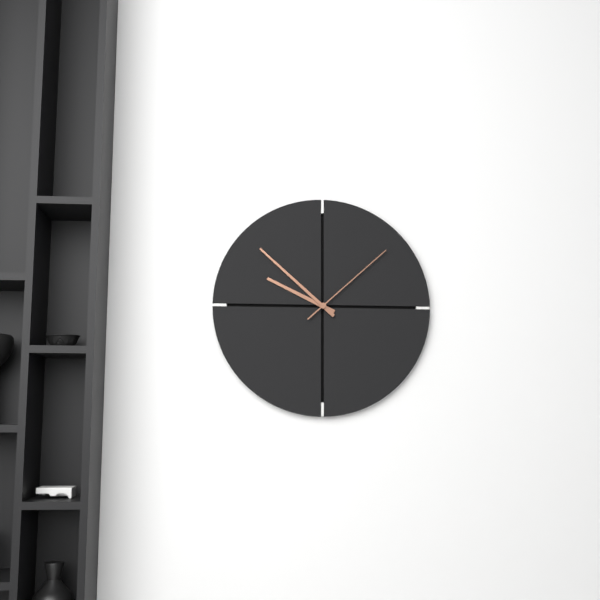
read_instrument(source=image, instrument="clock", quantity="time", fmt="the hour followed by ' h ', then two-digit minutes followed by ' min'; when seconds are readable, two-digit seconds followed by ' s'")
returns 9 h 52 min 08 s
